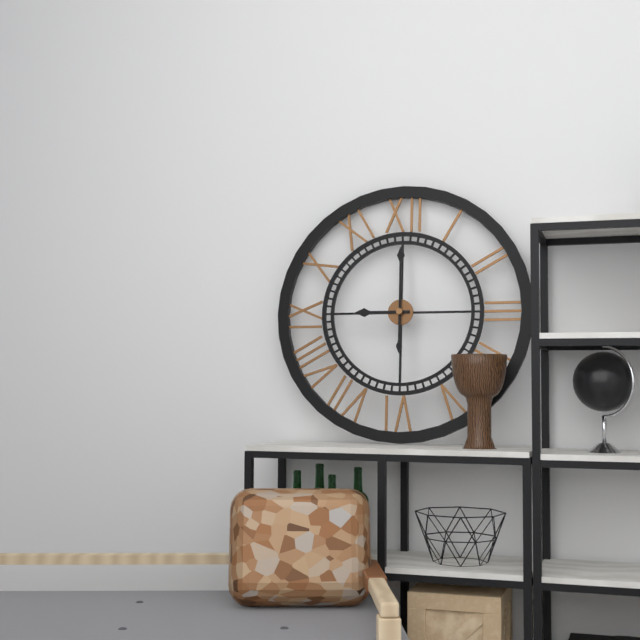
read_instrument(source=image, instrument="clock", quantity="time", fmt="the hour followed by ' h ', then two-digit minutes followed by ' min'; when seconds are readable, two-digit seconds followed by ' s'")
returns 9 h 00 min
